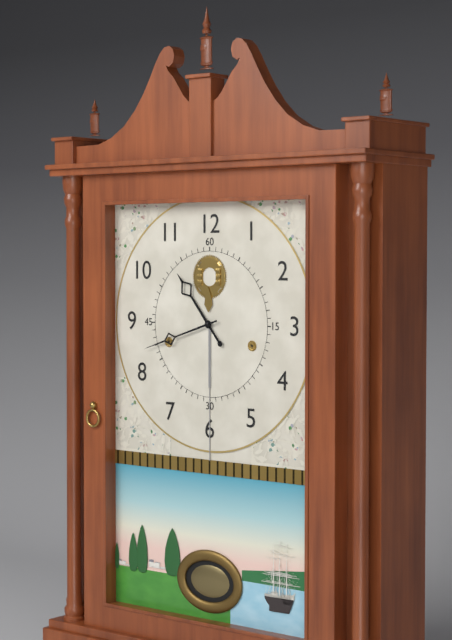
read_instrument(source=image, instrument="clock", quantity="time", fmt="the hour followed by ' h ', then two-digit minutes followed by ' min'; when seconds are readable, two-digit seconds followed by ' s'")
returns 10 h 42 min
